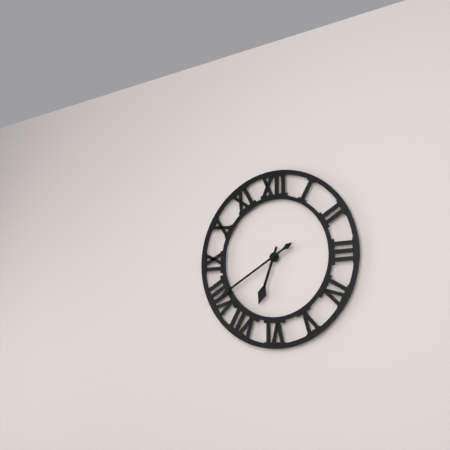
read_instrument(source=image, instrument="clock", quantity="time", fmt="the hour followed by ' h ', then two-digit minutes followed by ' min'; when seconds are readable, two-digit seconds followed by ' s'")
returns 6 h 40 min
